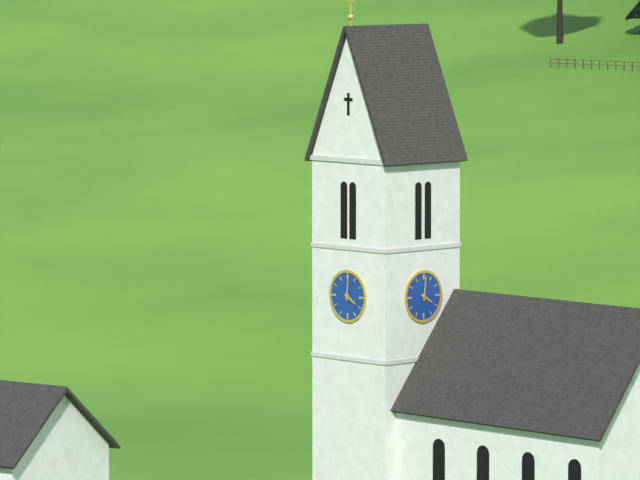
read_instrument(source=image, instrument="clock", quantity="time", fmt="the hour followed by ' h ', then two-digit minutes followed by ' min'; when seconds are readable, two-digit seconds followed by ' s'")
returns 4 h 01 min
